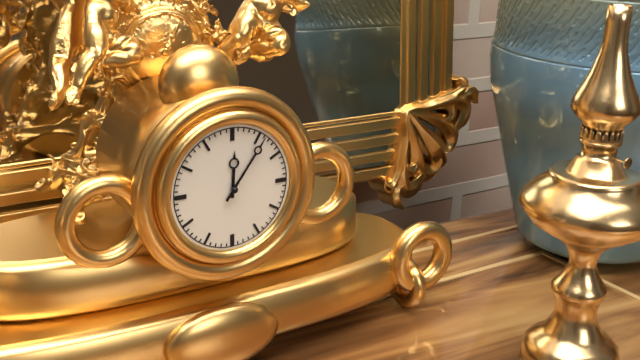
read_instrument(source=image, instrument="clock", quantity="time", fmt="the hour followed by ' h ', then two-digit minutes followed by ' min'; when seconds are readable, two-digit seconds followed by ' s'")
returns 12 h 06 min
